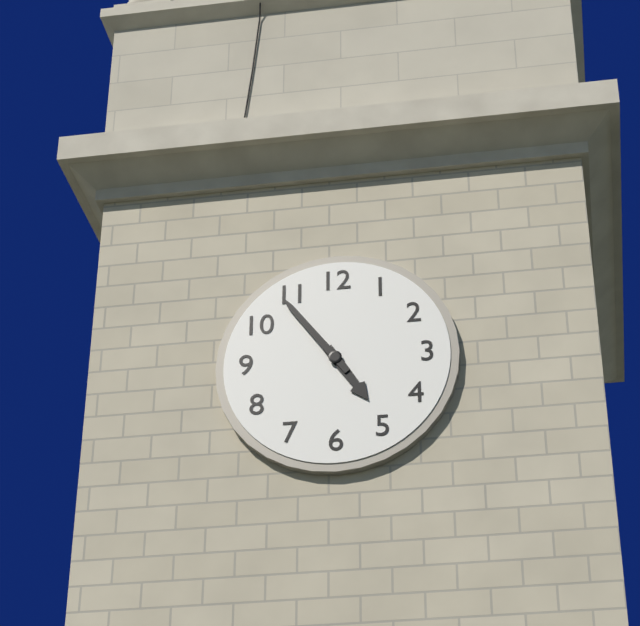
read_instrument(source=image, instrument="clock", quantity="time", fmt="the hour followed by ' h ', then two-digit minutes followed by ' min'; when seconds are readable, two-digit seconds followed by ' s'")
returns 4 h 54 min
